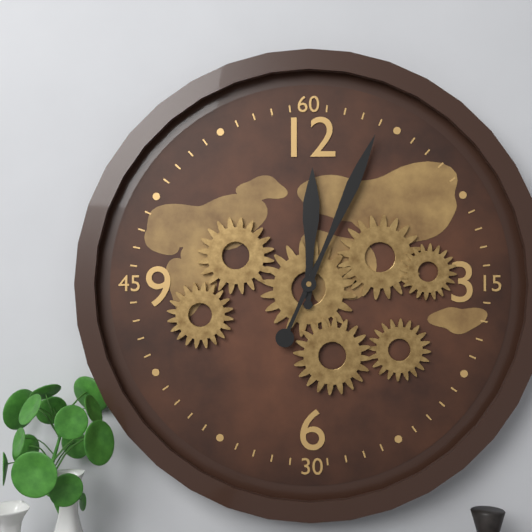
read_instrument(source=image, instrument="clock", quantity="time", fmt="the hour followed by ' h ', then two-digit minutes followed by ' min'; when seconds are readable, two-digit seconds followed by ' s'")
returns 12 h 04 min
